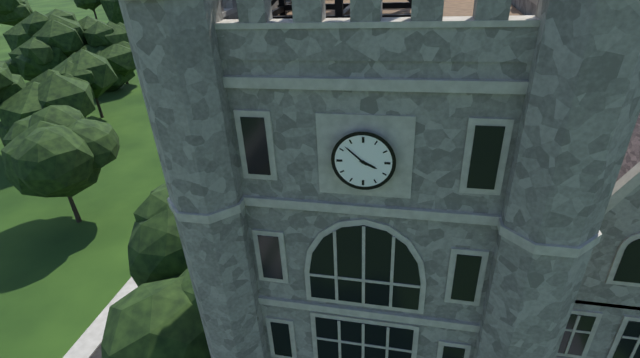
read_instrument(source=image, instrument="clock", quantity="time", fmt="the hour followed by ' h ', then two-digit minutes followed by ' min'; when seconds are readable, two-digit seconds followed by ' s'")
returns 3 h 52 min
